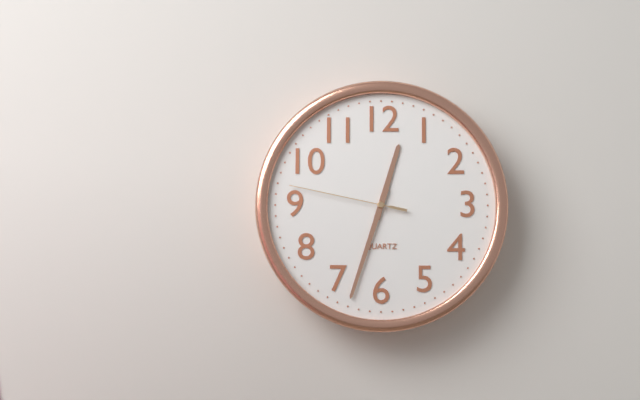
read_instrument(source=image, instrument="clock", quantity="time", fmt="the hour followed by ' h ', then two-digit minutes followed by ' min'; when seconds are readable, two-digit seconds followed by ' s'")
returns 12 h 33 min 47 s
